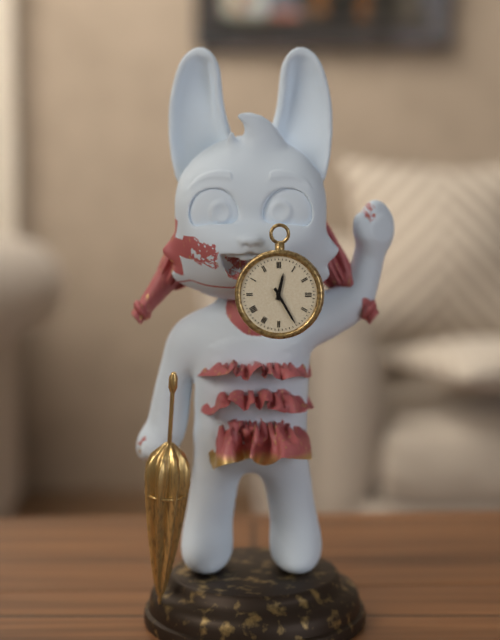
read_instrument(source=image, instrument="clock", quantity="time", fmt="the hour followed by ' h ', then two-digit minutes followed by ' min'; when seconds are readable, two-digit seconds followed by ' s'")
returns 12 h 25 min
